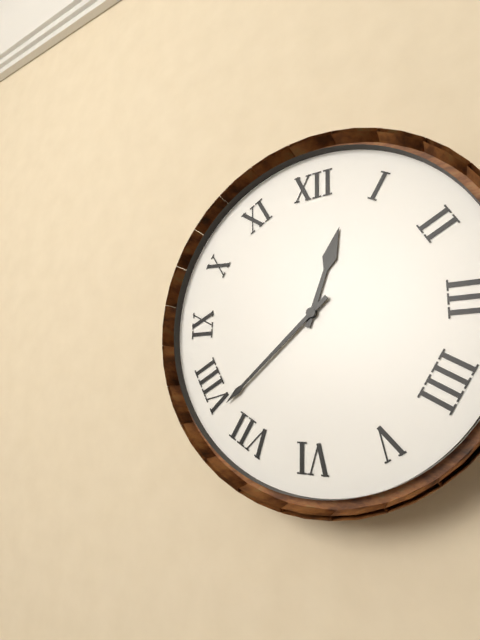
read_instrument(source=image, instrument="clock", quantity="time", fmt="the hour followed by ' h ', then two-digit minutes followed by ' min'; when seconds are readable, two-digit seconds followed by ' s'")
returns 12 h 38 min
